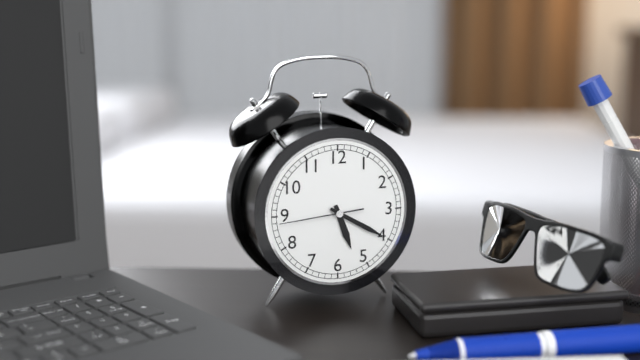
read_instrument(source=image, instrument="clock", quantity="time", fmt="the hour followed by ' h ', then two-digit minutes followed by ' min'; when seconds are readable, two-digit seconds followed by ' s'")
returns 5 h 20 min 44 s
